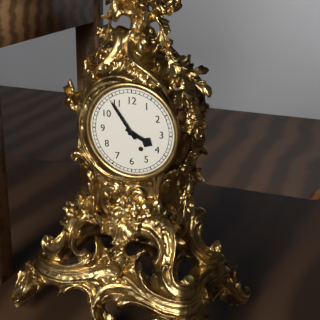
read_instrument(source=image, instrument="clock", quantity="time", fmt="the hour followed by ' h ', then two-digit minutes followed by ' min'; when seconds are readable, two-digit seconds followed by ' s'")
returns 3 h 54 min
